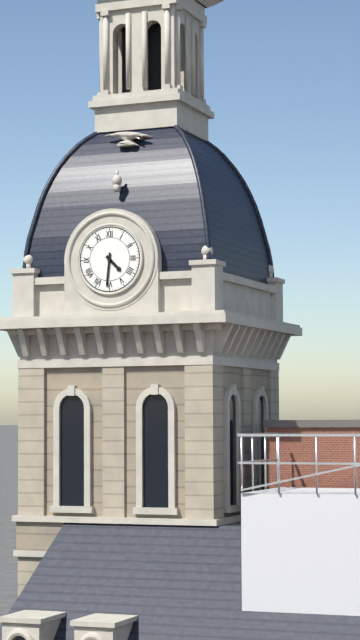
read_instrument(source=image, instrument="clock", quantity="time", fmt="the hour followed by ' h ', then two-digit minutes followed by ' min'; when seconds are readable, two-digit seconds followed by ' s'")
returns 4 h 31 min
